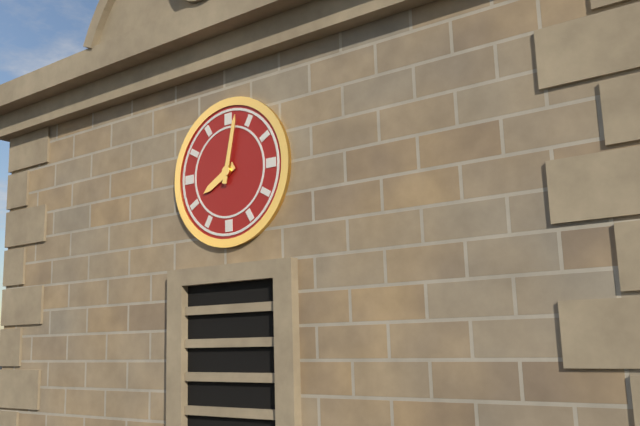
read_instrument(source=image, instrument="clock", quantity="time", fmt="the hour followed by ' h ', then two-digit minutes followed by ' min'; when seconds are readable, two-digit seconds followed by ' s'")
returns 8 h 02 min
